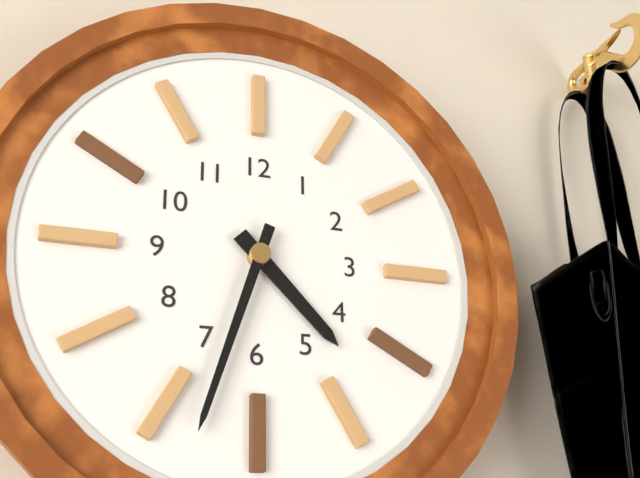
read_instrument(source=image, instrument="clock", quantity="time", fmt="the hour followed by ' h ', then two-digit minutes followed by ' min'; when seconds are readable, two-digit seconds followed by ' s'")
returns 4 h 33 min
